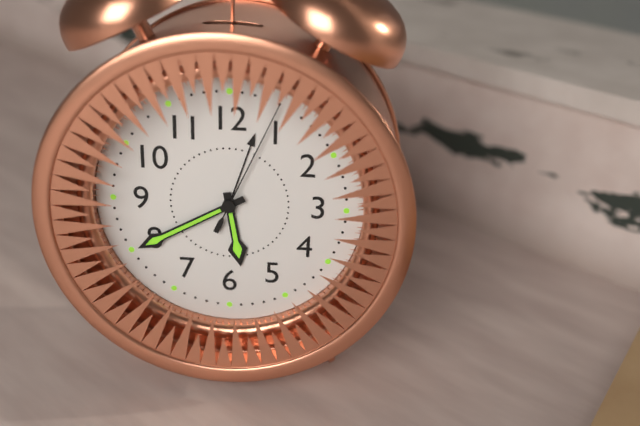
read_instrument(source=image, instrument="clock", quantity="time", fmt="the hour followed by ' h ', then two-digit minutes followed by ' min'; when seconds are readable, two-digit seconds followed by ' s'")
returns 5 h 40 min 04 s
